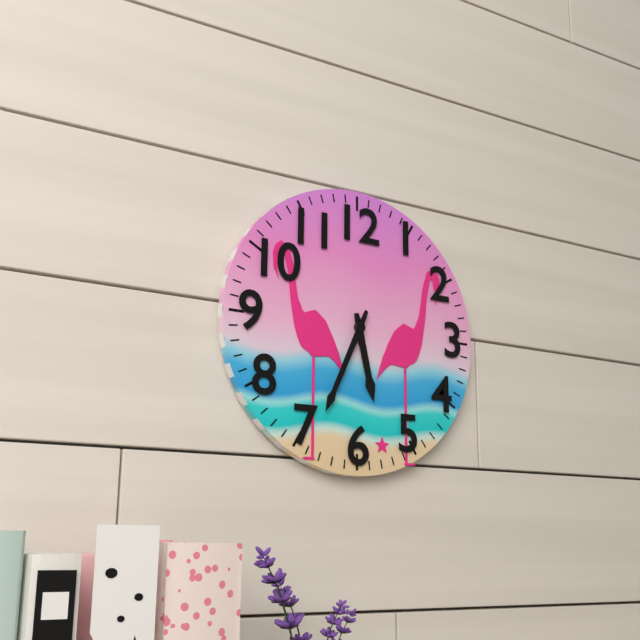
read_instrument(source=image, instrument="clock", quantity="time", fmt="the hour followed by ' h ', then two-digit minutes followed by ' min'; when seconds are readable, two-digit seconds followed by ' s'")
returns 5 h 34 min
